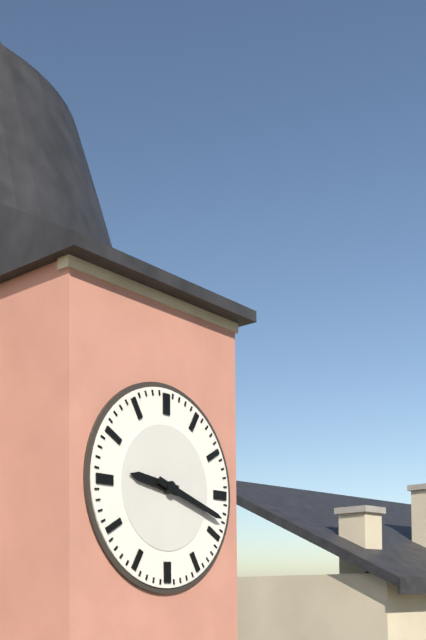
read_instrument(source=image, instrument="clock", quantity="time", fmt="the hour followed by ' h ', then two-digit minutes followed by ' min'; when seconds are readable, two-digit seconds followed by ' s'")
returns 9 h 18 min
